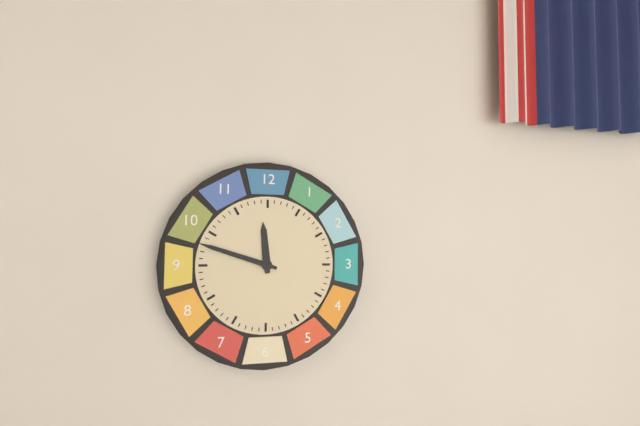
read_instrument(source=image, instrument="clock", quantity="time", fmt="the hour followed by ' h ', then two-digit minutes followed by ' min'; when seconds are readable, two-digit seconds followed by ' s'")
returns 11 h 48 min
